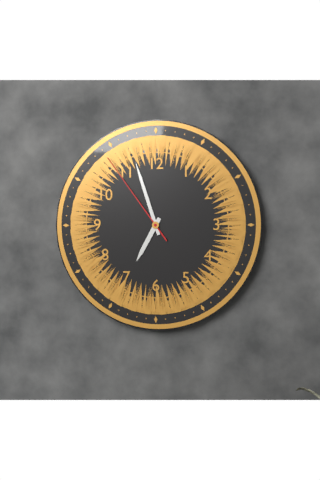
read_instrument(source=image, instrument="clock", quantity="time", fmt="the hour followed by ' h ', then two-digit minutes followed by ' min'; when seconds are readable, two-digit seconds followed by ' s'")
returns 6 h 57 min 54 s
